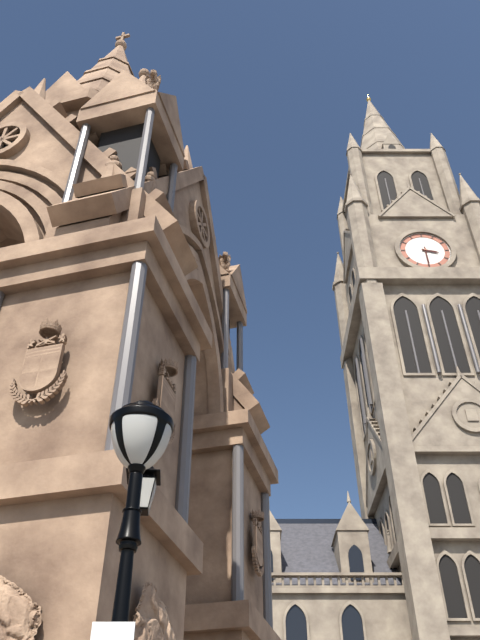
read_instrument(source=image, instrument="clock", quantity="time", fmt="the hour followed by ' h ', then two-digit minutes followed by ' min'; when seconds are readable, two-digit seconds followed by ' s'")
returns 3 h 30 min
